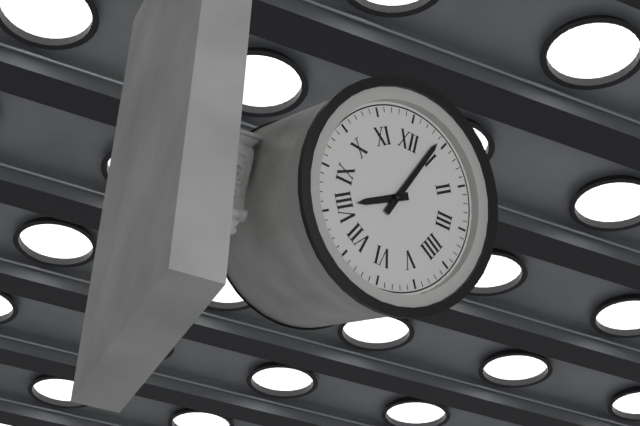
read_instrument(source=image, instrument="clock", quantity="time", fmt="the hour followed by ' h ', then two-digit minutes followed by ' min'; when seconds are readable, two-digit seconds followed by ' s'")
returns 8 h 04 min
